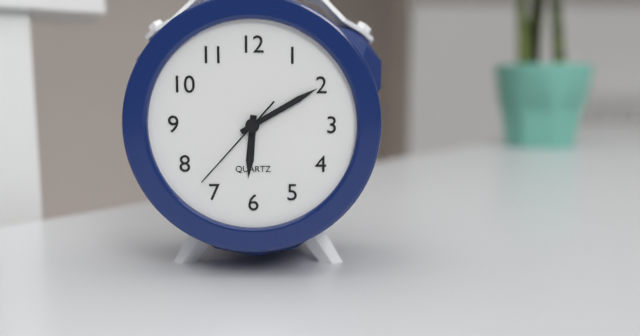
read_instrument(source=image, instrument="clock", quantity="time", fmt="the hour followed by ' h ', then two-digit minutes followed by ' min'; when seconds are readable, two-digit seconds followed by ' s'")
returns 6 h 10 min 37 s
